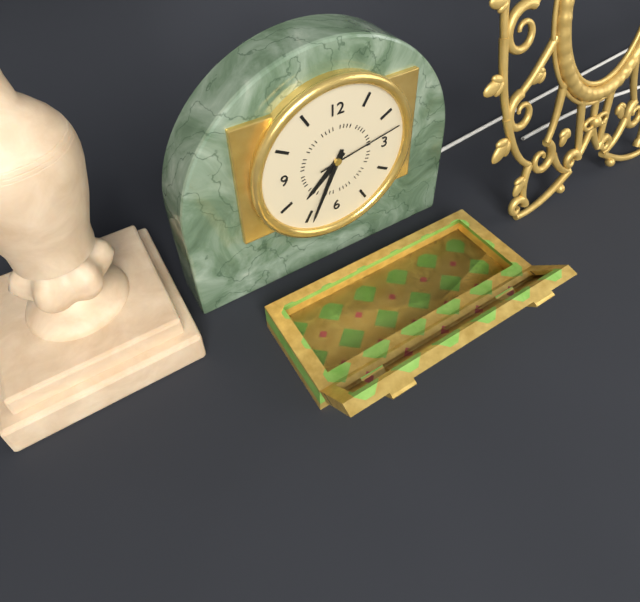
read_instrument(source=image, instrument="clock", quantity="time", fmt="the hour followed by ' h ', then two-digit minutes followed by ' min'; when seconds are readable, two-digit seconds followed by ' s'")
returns 7 h 34 min 13 s
